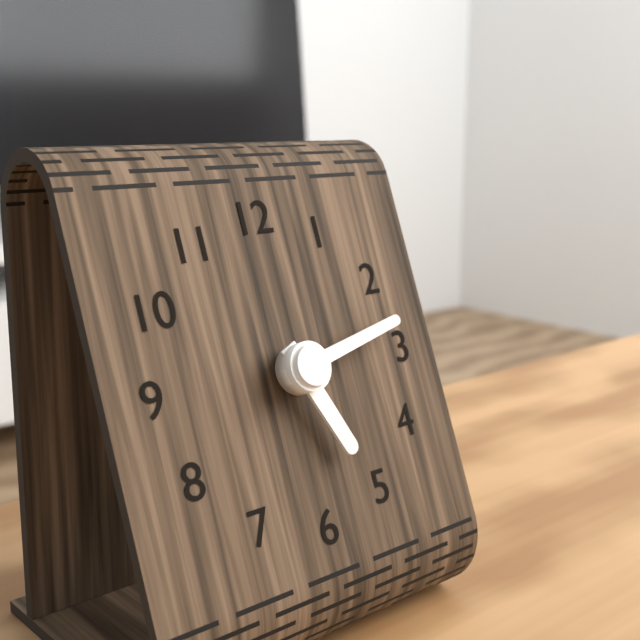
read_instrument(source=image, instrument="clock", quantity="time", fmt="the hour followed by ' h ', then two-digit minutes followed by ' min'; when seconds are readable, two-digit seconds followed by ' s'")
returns 5 h 13 min
